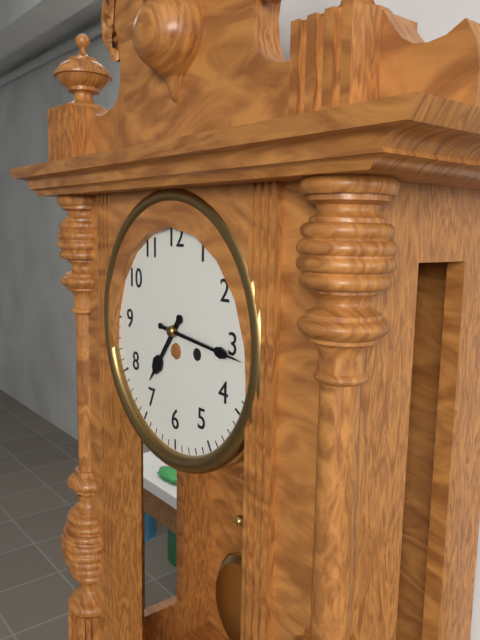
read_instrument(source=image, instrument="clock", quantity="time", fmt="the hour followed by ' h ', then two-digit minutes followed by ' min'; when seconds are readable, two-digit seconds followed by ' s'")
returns 7 h 16 min
